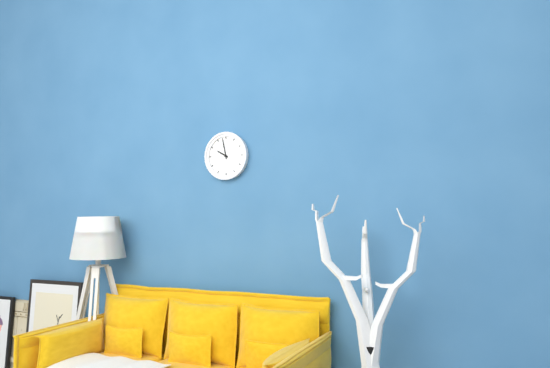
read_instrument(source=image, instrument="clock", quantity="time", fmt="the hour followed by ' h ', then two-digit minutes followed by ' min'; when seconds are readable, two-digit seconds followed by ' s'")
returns 9 h 58 min
